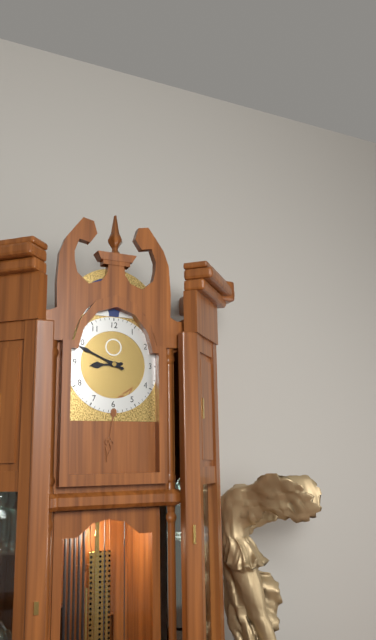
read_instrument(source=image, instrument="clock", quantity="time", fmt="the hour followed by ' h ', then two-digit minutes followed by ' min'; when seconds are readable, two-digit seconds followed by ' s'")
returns 8 h 49 min
